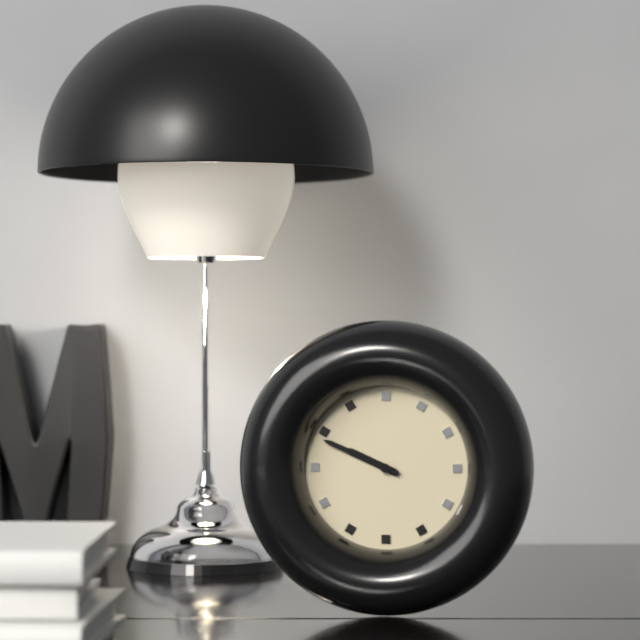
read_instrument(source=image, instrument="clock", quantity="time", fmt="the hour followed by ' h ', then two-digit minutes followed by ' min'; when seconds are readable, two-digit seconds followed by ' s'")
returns 9 h 49 min
